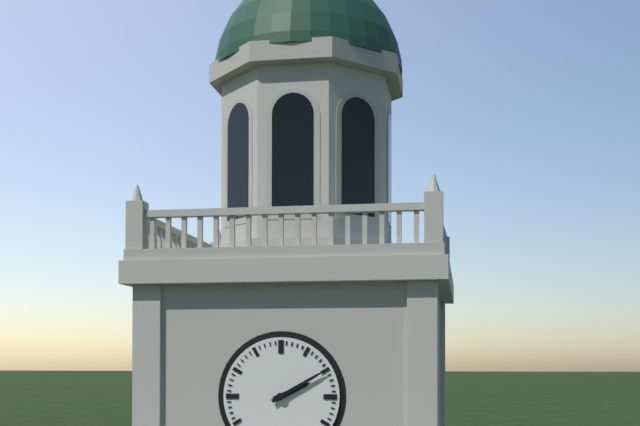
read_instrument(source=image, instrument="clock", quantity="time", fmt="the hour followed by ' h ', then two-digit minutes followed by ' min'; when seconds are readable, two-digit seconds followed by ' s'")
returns 2 h 10 min
